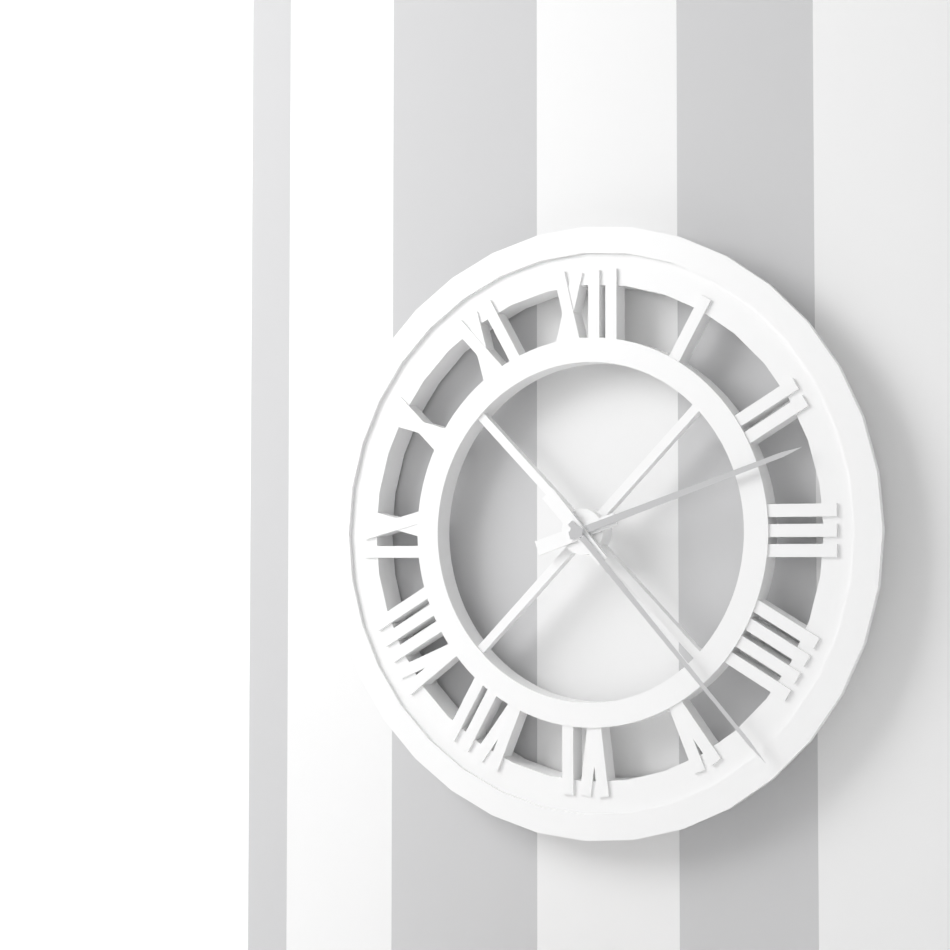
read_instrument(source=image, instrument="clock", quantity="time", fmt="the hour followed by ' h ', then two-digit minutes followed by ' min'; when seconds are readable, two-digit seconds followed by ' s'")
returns 2 h 23 min
